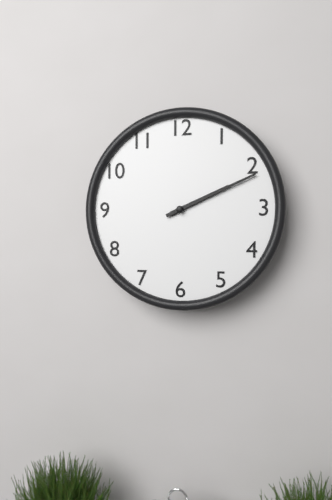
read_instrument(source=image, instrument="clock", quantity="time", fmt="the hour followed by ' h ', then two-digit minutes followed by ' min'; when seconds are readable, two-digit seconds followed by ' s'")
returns 2 h 11 min
